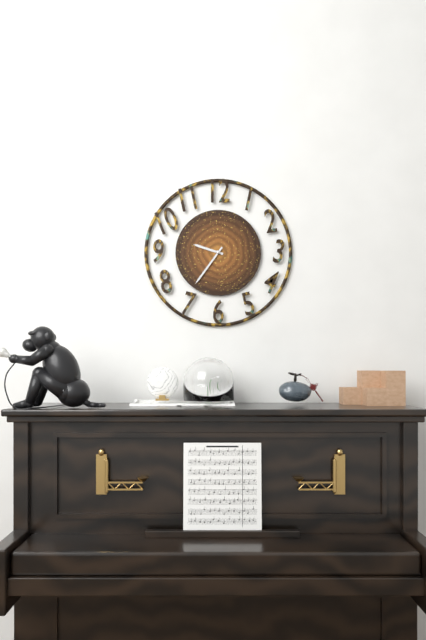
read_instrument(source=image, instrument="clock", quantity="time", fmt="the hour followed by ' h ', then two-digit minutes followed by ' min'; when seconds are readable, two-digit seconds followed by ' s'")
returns 9 h 36 min
